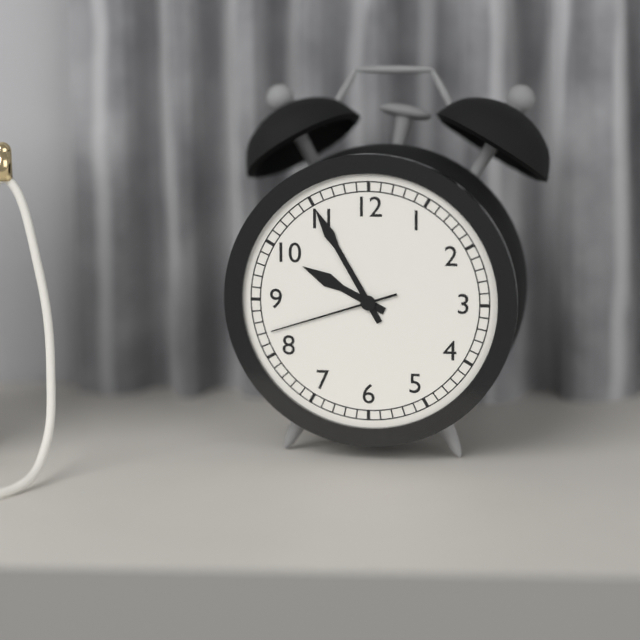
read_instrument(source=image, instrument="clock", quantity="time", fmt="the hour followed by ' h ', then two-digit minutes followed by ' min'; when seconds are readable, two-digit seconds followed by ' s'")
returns 9 h 55 min 42 s
